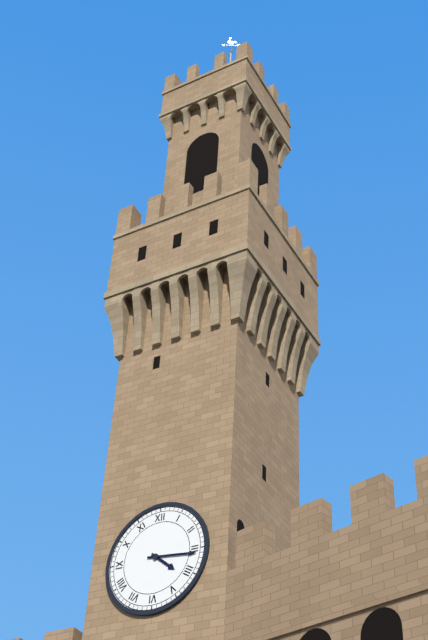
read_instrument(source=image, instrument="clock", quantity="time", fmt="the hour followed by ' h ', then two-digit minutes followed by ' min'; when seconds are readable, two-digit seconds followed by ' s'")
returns 4 h 16 min
